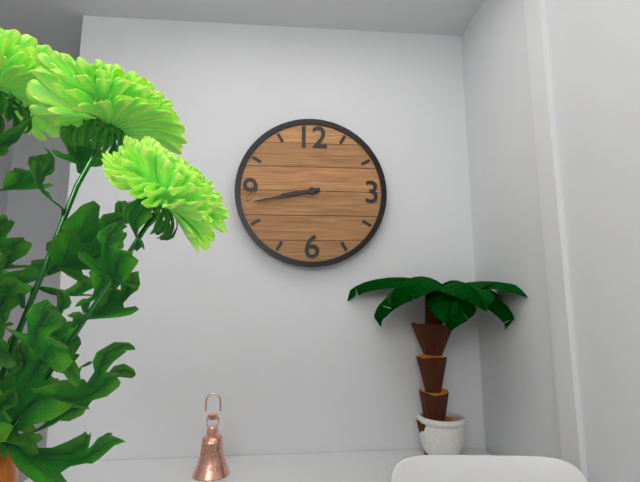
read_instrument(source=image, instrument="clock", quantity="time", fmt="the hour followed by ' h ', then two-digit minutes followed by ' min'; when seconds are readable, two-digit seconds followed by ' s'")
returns 8 h 43 min
